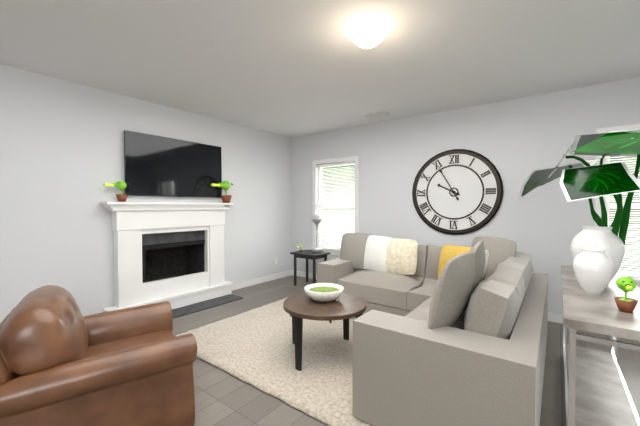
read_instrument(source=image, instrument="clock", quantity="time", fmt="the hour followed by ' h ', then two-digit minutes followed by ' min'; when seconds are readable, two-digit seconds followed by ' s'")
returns 9 h 55 min
